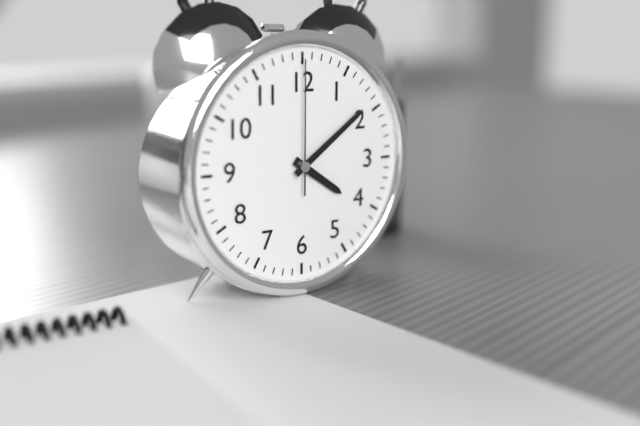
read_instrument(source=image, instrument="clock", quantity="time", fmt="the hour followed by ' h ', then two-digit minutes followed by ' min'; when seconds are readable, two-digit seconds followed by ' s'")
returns 4 h 09 min 00 s
